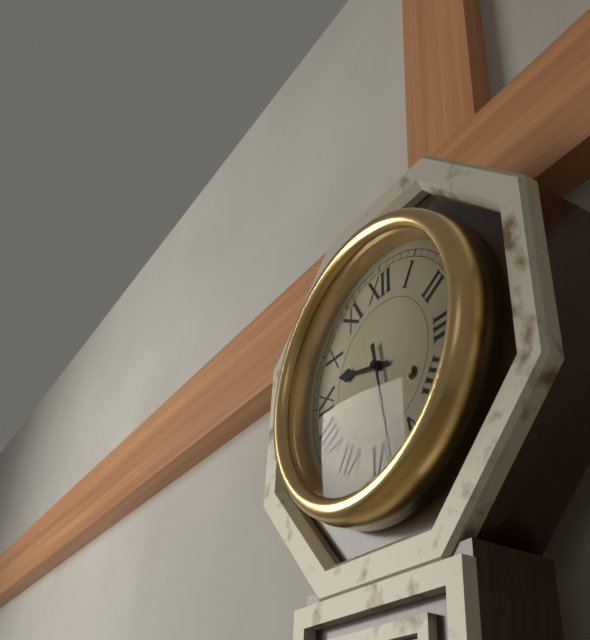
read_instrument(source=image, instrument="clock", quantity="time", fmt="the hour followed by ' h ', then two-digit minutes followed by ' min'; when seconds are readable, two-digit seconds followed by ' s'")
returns 9 h 28 min
